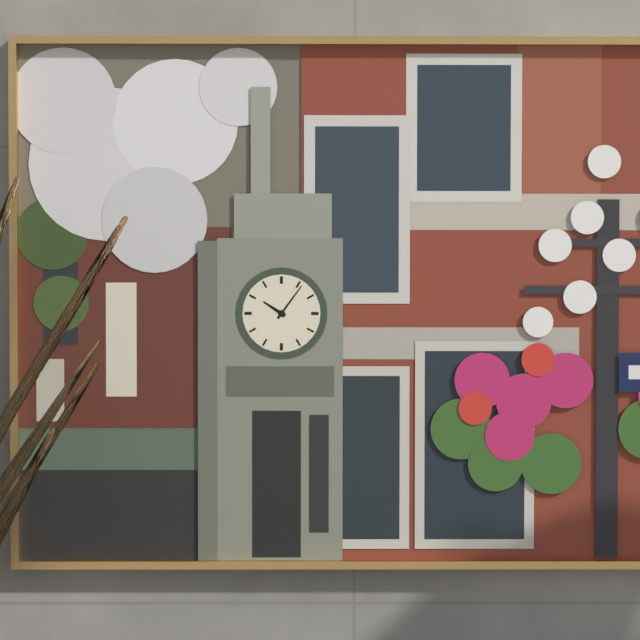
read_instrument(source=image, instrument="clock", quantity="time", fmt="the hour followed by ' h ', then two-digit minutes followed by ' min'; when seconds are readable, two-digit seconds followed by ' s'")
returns 10 h 06 min
